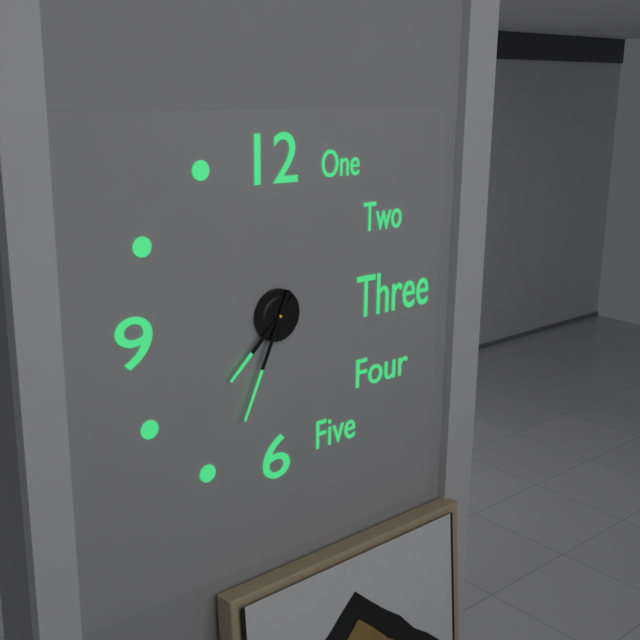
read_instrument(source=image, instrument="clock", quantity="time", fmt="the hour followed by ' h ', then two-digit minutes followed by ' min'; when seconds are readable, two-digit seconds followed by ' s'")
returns 7 h 34 min
